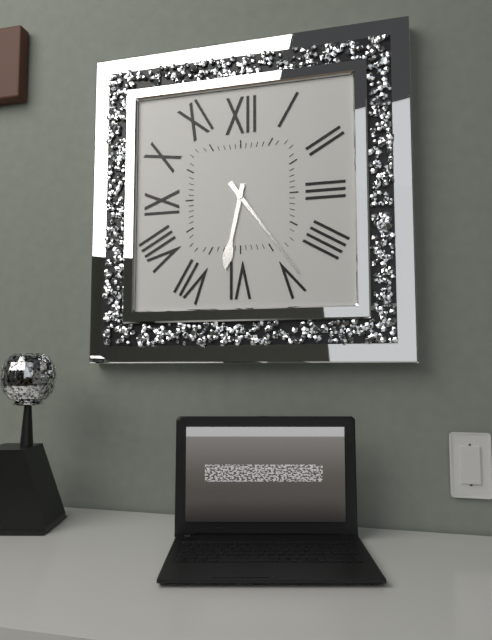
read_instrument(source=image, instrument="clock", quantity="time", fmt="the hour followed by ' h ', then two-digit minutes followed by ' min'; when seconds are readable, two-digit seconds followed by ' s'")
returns 6 h 24 min
